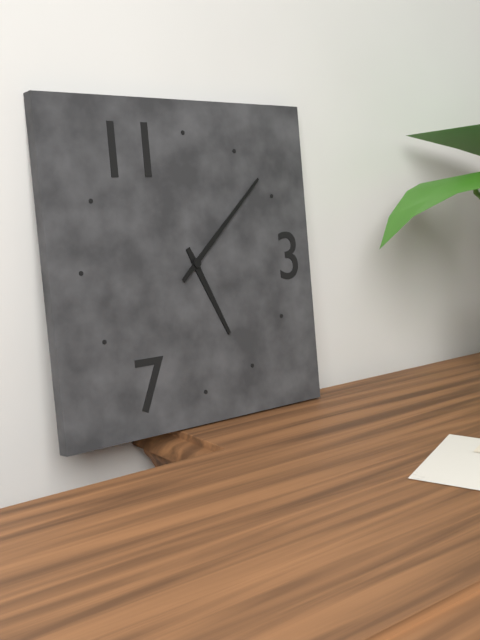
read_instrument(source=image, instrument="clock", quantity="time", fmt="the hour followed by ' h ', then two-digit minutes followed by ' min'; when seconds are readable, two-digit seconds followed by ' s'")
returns 5 h 08 min
